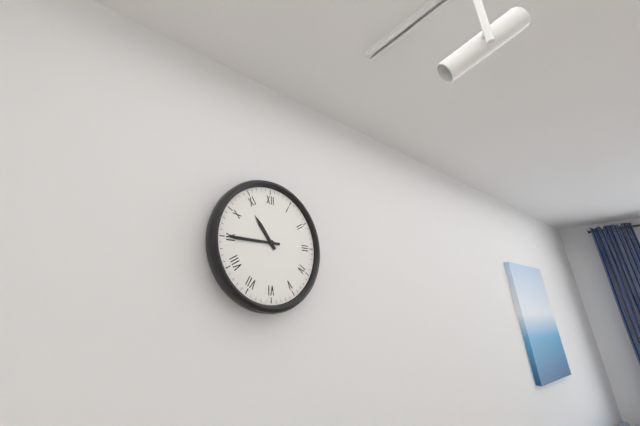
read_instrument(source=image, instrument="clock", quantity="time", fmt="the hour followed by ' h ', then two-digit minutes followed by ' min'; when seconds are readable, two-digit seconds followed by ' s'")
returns 10 h 45 min
